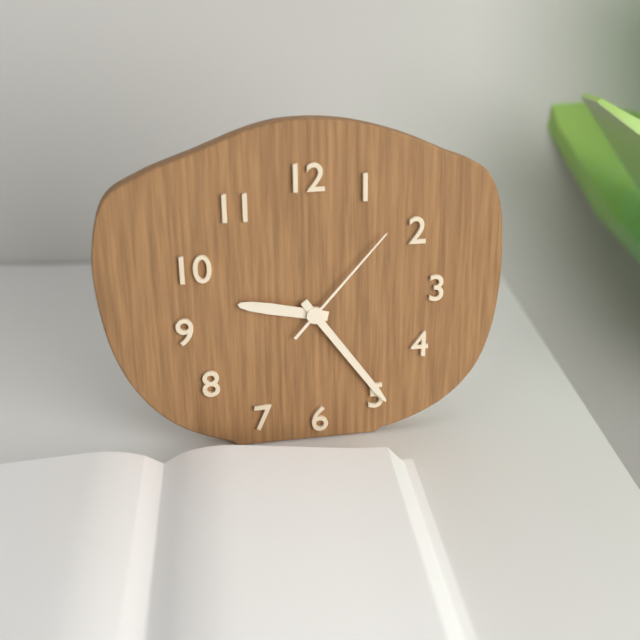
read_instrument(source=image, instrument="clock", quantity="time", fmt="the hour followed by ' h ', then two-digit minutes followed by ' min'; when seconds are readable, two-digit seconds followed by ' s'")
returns 9 h 24 min 07 s
